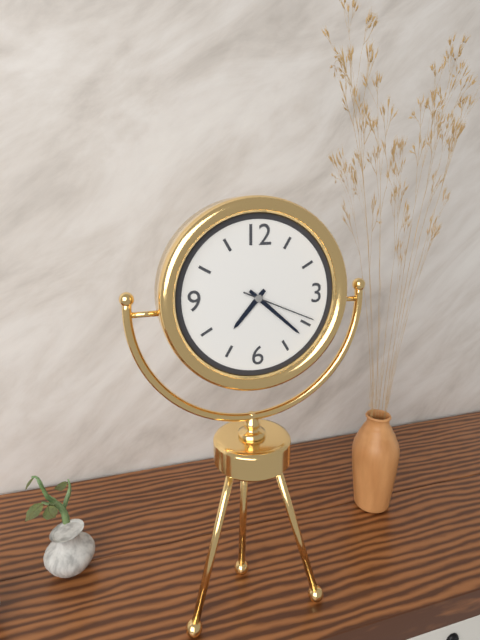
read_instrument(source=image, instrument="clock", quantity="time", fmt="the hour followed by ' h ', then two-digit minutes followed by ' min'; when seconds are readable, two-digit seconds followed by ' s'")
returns 7 h 22 min 19 s
